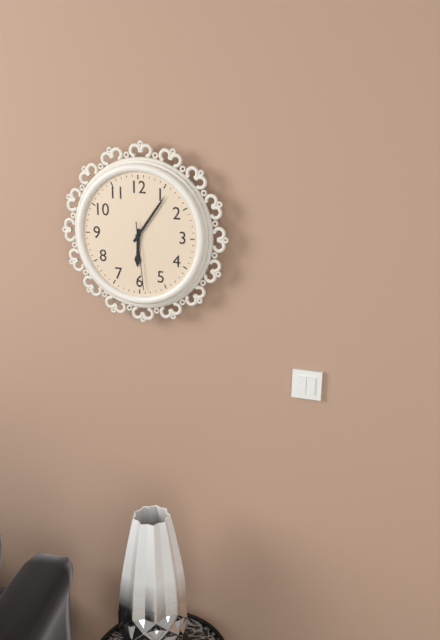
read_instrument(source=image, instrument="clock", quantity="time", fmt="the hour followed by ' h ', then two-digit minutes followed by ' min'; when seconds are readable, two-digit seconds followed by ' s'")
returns 6 h 06 min 29 s
